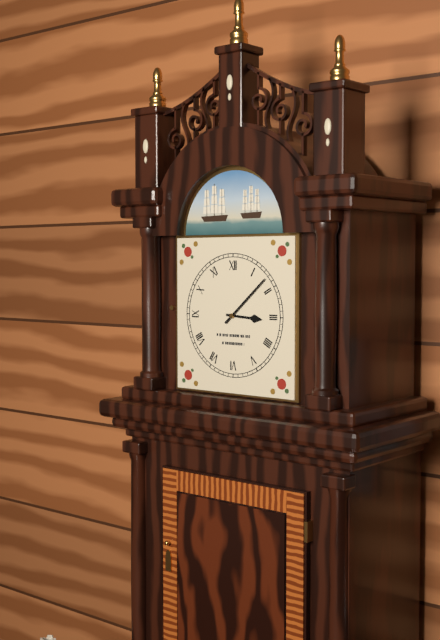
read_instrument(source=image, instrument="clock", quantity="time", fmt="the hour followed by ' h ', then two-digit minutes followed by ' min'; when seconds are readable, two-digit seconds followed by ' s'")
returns 3 h 08 min
